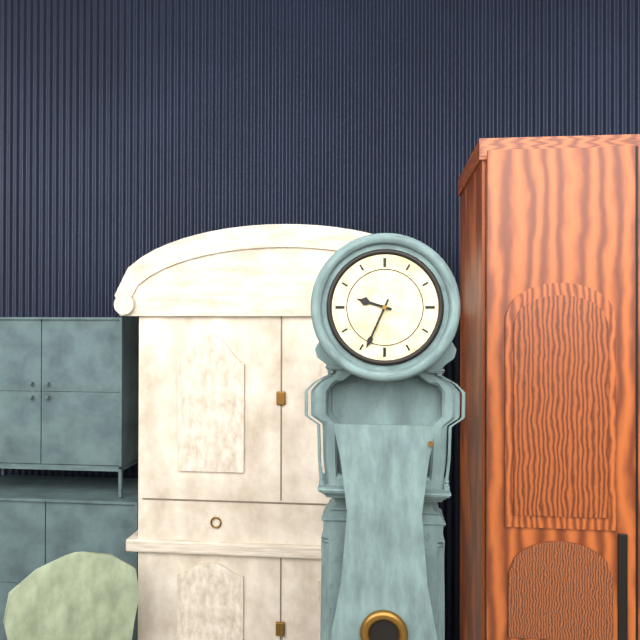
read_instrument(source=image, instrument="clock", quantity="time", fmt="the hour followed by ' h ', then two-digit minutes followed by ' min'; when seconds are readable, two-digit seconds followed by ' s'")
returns 9 h 34 min
